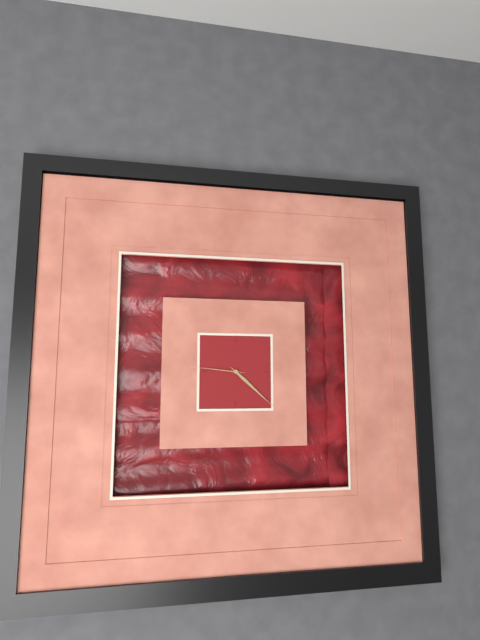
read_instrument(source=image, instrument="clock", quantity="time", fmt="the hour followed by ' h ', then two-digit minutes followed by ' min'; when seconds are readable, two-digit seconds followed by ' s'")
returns 4 h 22 min 46 s
